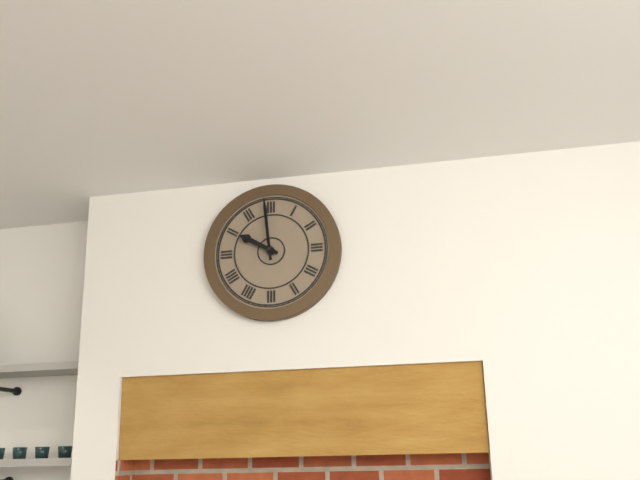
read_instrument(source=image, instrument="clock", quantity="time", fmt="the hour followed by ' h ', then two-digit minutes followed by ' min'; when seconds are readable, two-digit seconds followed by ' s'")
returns 9 h 59 min
